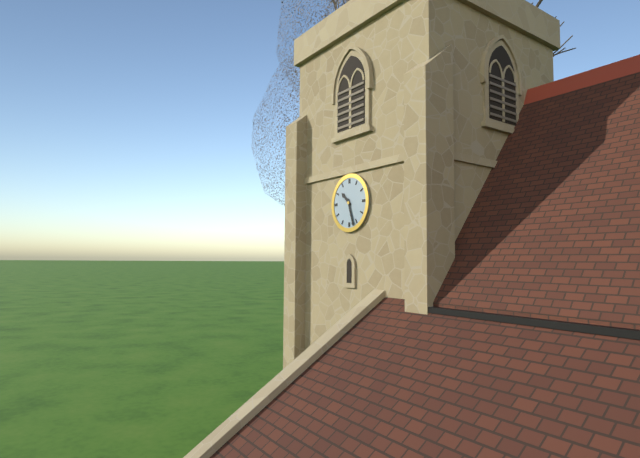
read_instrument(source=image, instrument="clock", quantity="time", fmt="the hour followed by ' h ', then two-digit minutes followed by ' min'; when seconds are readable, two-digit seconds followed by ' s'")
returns 10 h 27 min
